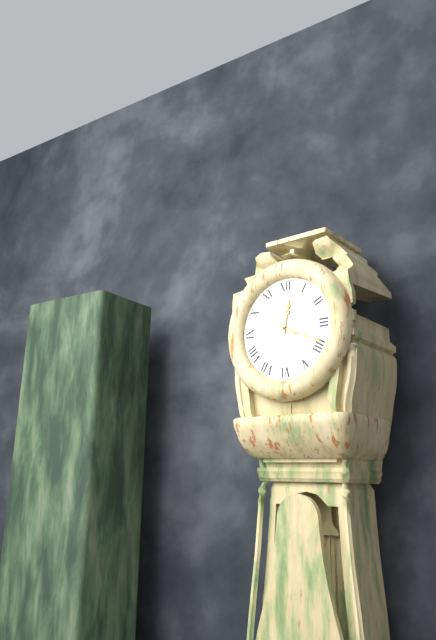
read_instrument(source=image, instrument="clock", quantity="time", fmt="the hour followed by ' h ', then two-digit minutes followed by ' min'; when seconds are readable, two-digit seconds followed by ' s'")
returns 12 h 19 min
